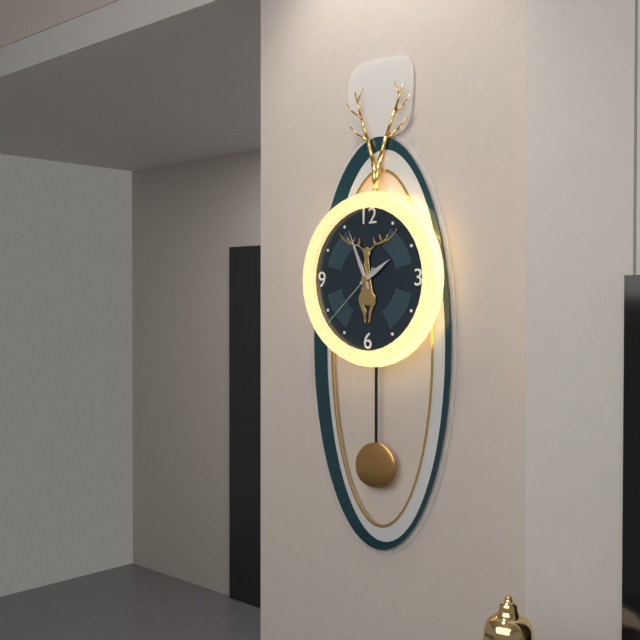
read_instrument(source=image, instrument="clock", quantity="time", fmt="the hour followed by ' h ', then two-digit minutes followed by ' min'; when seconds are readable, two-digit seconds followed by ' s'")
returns 1 h 56 min 38 s
